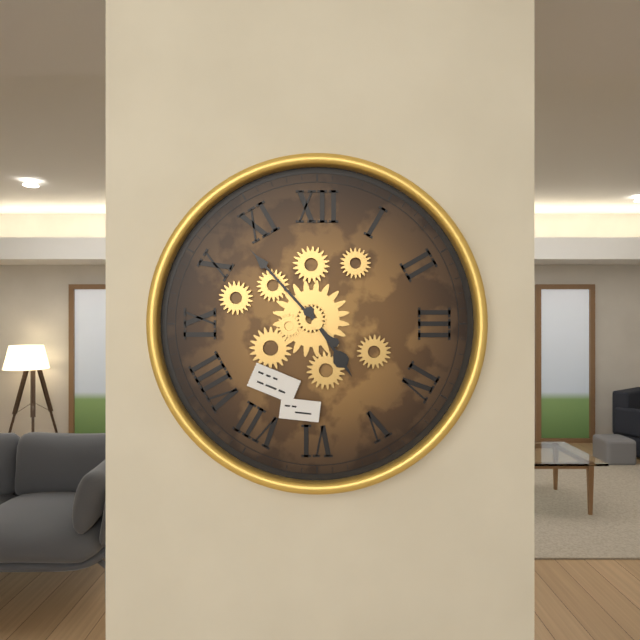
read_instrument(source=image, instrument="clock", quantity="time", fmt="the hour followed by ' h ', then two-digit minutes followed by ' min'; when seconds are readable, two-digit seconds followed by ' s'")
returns 4 h 53 min
